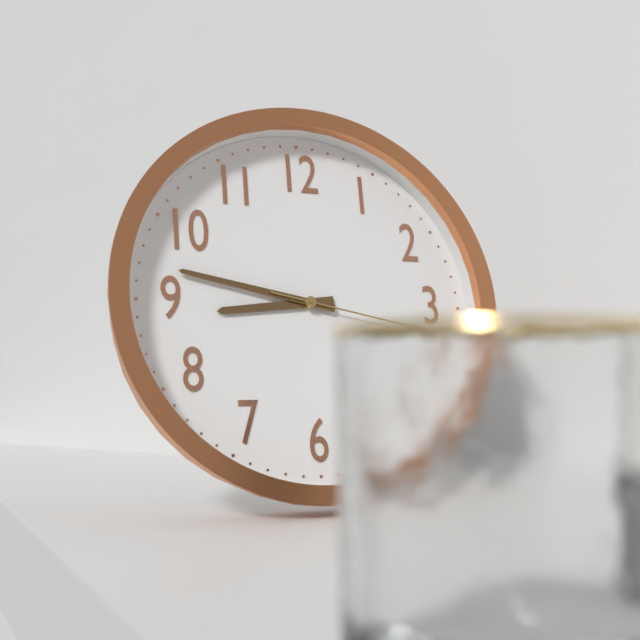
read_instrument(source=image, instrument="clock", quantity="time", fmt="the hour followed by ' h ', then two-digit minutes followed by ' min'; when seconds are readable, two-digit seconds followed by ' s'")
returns 8 h 47 min 17 s
